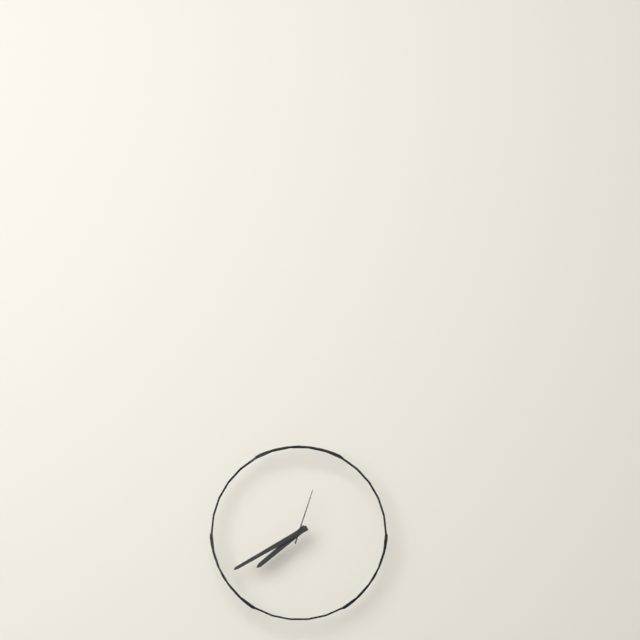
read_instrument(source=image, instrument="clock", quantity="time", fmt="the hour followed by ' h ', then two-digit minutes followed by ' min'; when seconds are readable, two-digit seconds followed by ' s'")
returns 7 h 40 min 03 s
